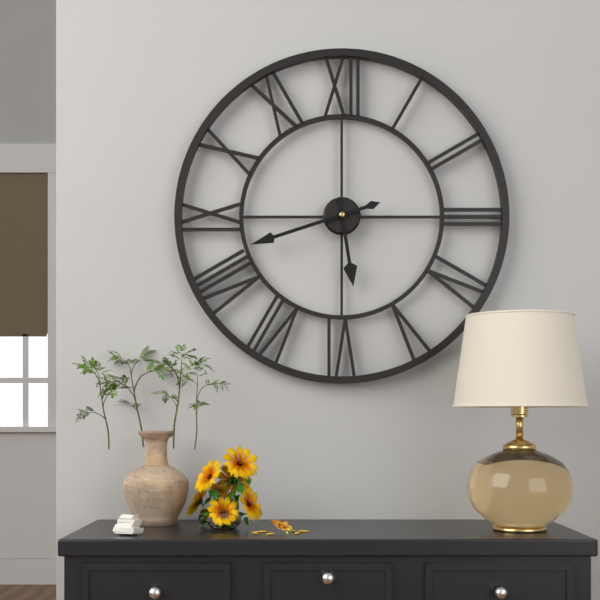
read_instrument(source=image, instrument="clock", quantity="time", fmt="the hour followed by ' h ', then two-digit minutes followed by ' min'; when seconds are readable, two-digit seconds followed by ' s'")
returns 5 h 42 min
